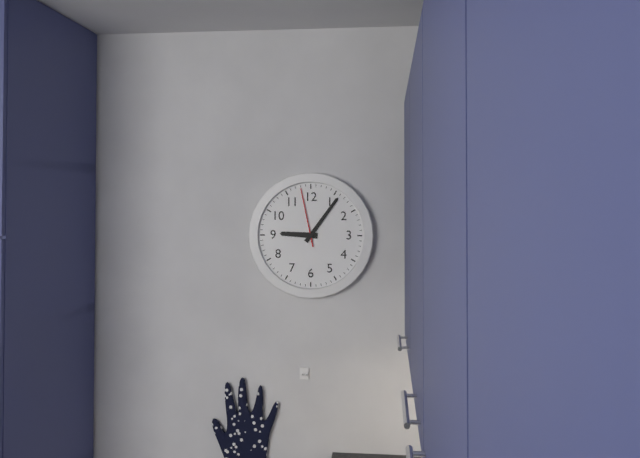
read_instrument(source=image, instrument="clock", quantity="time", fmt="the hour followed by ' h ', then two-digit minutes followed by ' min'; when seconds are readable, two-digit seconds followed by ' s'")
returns 9 h 06 min 58 s
